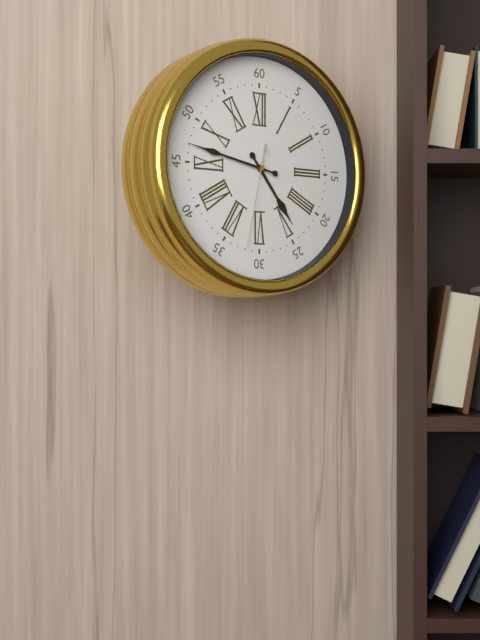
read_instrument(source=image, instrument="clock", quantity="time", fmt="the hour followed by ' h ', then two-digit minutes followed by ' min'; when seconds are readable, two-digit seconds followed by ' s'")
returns 4 h 47 min 32 s
